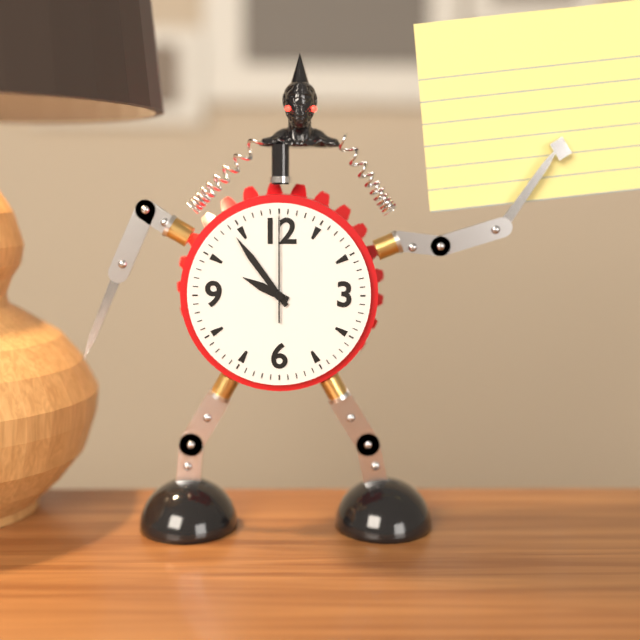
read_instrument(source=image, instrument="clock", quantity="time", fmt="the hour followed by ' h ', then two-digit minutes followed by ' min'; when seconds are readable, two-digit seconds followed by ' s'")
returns 9 h 54 min 00 s
